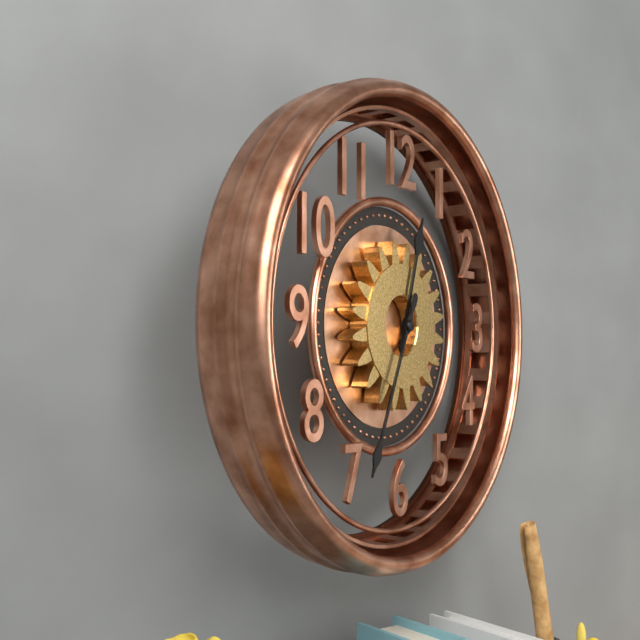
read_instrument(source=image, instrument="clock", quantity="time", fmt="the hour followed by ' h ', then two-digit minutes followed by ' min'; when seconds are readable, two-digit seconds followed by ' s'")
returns 12 h 34 min
